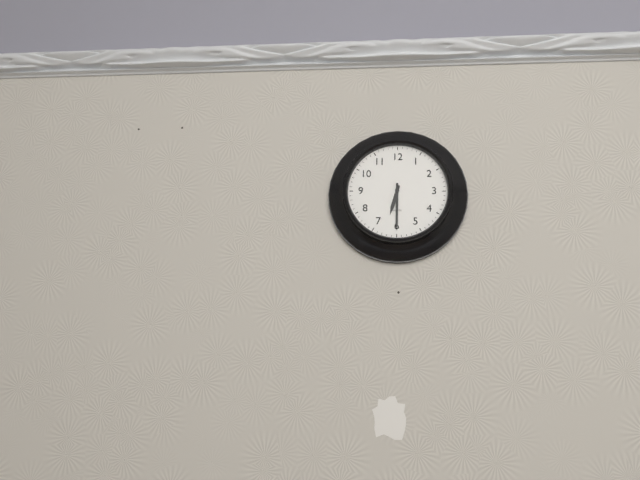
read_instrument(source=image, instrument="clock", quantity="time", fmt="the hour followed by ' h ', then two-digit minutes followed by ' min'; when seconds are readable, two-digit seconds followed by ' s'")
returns 6 h 30 min
